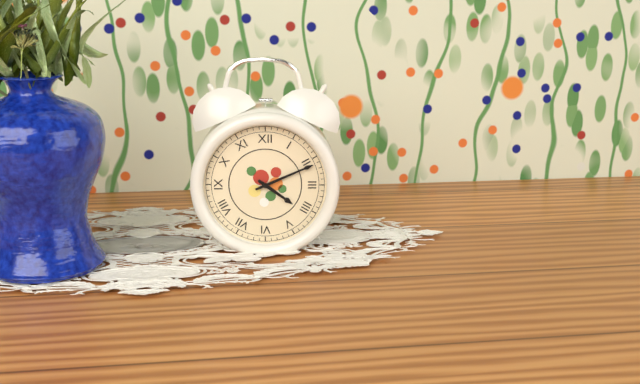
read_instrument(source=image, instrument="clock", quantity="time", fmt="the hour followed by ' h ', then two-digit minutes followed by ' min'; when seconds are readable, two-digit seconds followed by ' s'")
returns 4 h 11 min
